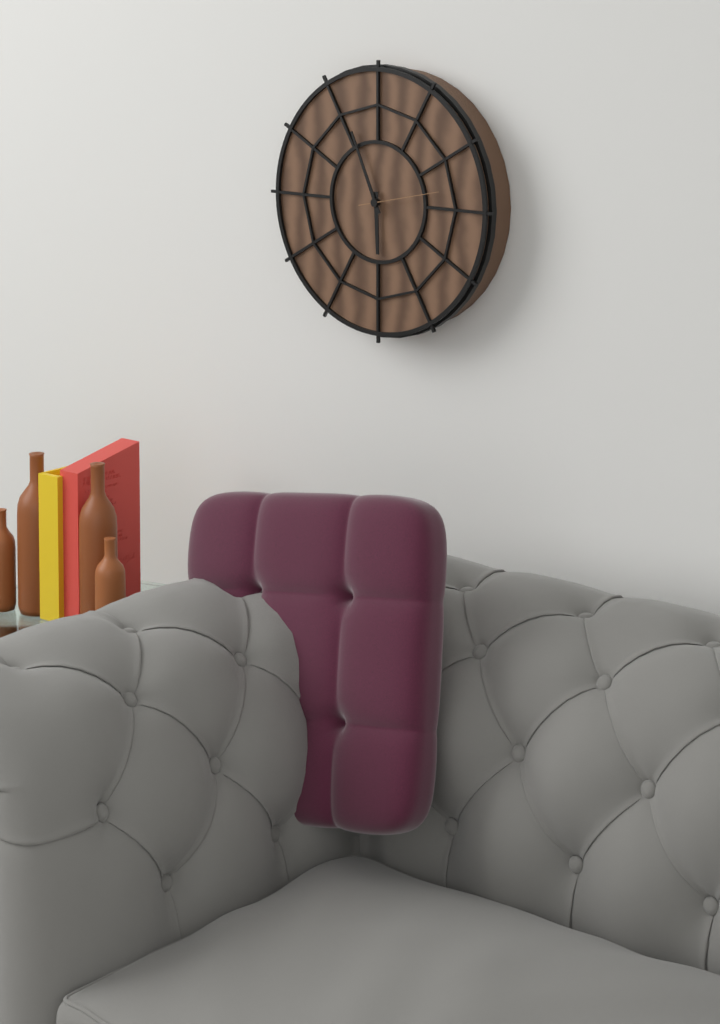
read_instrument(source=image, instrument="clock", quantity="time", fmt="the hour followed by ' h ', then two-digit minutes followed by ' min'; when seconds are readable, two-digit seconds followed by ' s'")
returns 5 h 56 min 13 s
